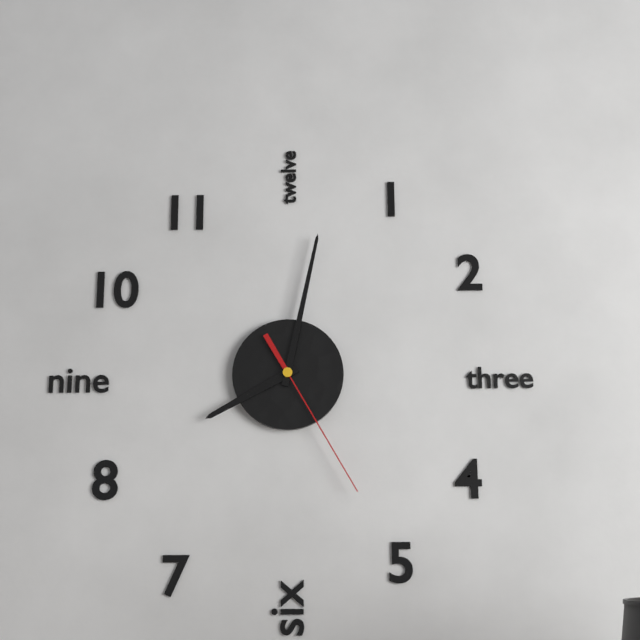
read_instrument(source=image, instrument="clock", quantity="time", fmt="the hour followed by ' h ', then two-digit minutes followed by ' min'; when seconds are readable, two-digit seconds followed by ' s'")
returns 8 h 02 min 25 s
